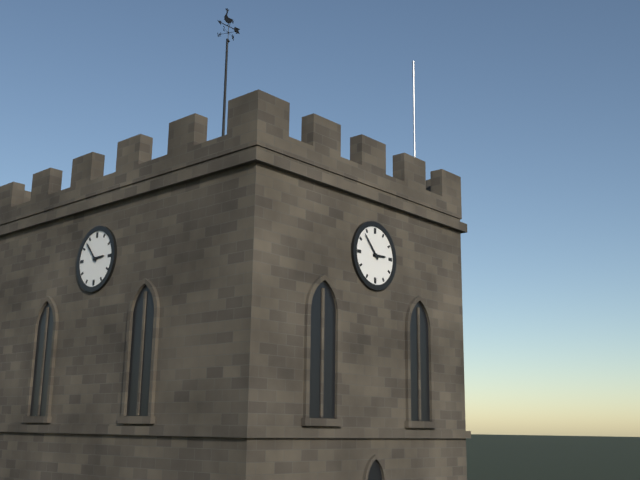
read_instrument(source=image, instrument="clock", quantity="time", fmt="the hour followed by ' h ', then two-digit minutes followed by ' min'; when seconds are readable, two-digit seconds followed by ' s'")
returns 2 h 53 min
